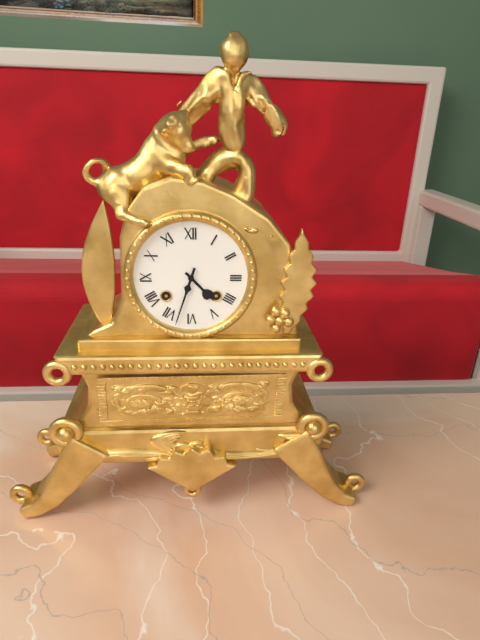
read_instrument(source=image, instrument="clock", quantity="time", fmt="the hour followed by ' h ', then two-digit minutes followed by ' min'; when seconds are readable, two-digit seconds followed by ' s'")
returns 4 h 33 min
